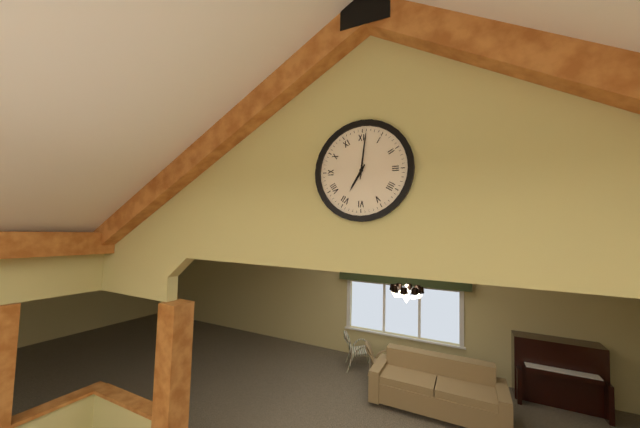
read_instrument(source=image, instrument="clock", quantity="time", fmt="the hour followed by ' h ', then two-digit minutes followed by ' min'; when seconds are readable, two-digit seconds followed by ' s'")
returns 7 h 01 min
